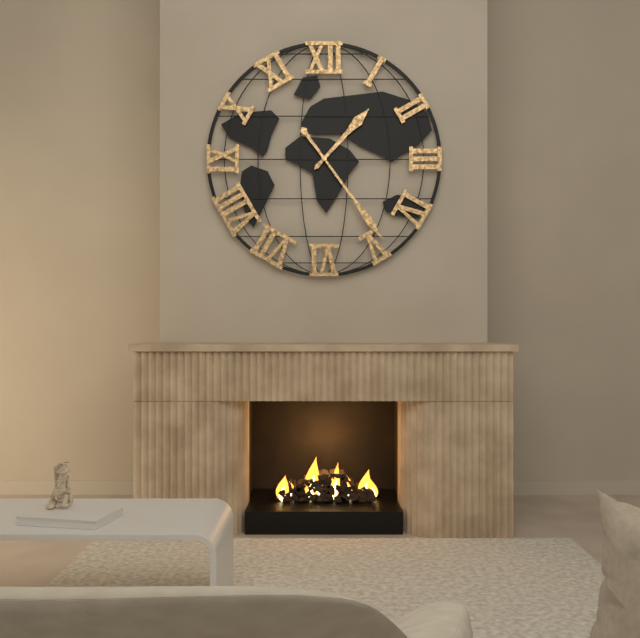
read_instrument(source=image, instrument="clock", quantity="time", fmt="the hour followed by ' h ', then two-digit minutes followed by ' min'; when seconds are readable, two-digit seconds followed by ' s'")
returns 1 h 24 min
